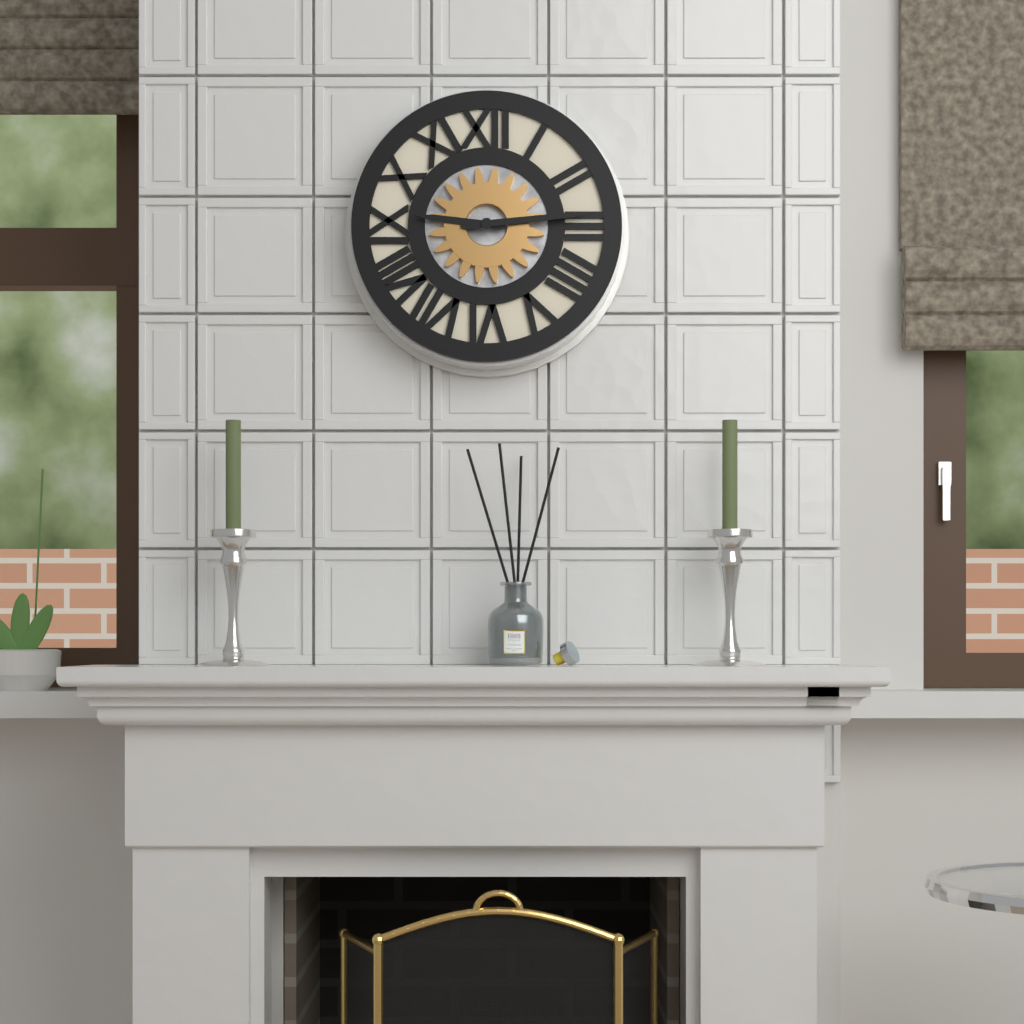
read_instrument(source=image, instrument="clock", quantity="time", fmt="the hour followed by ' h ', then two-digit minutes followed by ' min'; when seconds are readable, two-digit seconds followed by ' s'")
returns 9 h 14 min
